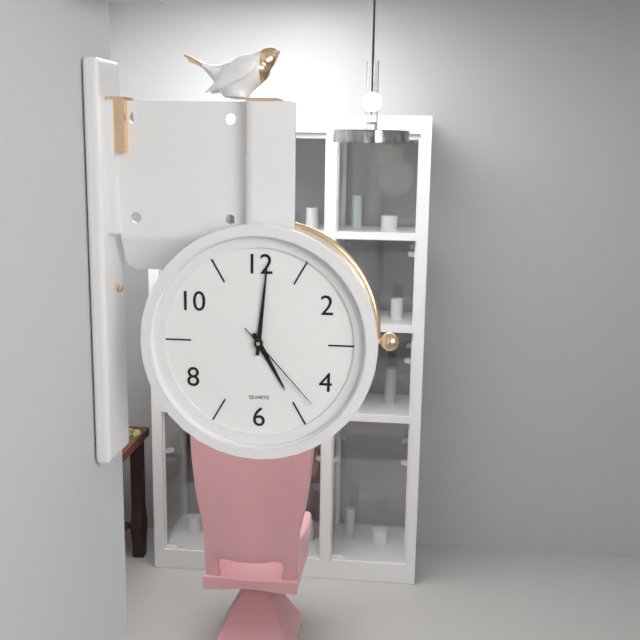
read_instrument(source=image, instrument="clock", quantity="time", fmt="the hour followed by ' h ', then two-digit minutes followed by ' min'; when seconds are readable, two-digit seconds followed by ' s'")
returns 5 h 01 min 23 s
